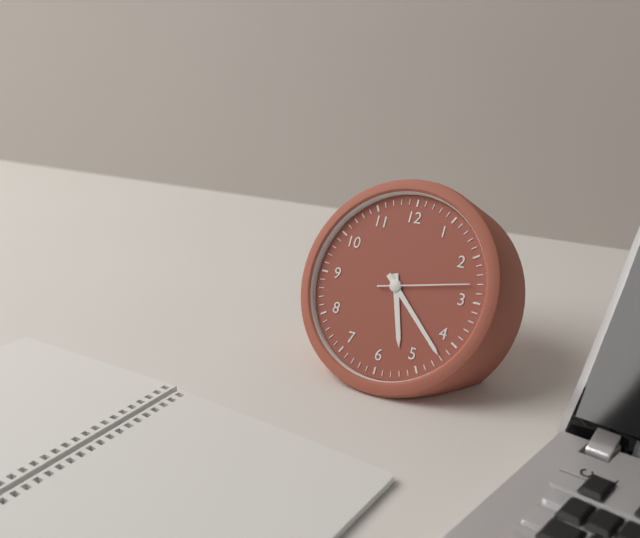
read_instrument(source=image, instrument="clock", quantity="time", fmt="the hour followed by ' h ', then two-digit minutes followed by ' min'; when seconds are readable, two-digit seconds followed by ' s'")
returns 5 h 22 min 13 s
